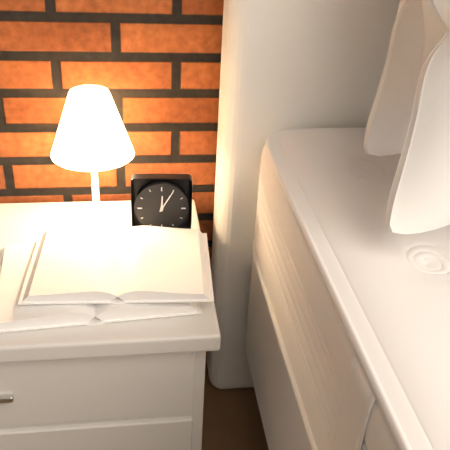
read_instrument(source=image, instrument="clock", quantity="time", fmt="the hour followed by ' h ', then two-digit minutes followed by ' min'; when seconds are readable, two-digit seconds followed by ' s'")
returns 12 h 05 min
